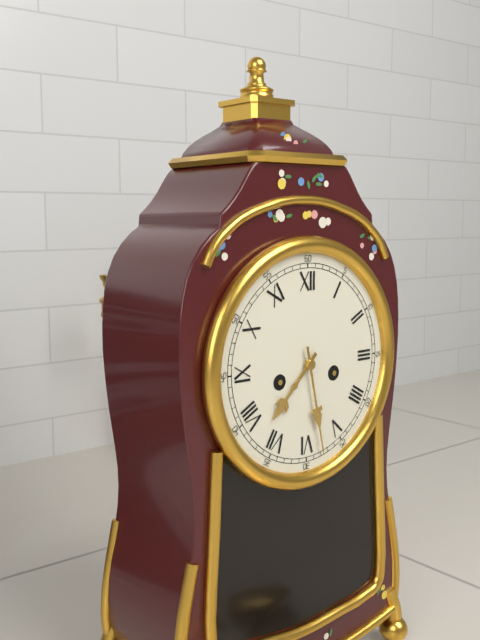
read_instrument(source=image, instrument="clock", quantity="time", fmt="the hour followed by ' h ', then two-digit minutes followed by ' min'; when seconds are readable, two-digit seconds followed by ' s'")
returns 7 h 28 min
